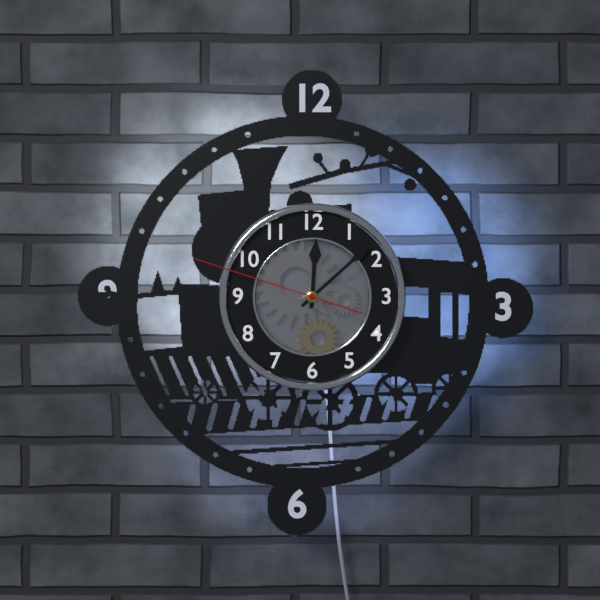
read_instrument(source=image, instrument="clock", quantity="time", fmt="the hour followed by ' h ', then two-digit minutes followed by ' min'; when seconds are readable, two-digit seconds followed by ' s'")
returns 12 h 08 min 48 s
